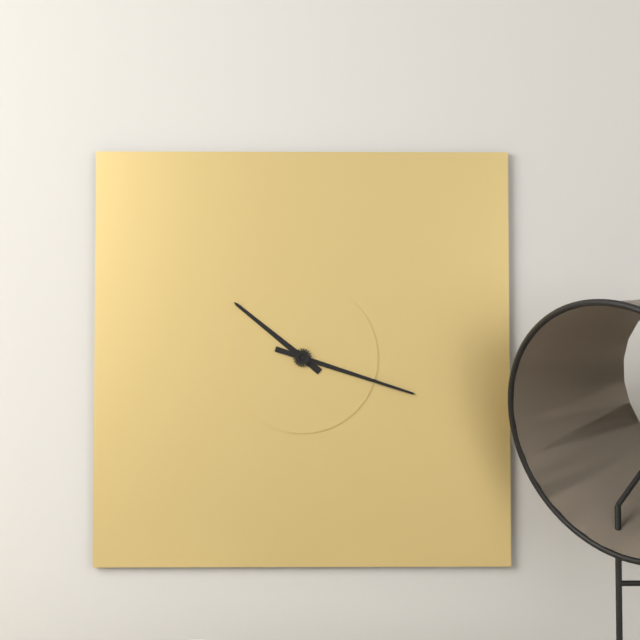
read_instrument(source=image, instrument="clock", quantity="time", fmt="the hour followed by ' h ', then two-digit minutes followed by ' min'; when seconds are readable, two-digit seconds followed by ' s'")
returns 10 h 18 min
